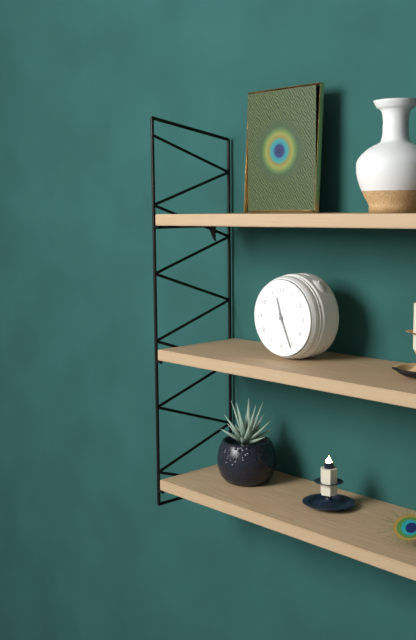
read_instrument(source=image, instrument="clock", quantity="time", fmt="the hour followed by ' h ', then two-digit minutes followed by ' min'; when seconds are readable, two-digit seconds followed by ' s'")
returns 11 h 26 min
